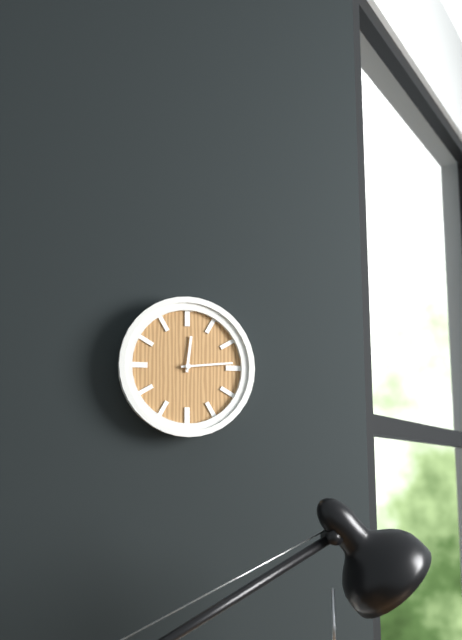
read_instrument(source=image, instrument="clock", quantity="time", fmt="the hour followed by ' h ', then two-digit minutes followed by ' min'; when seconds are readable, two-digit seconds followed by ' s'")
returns 12 h 14 min
